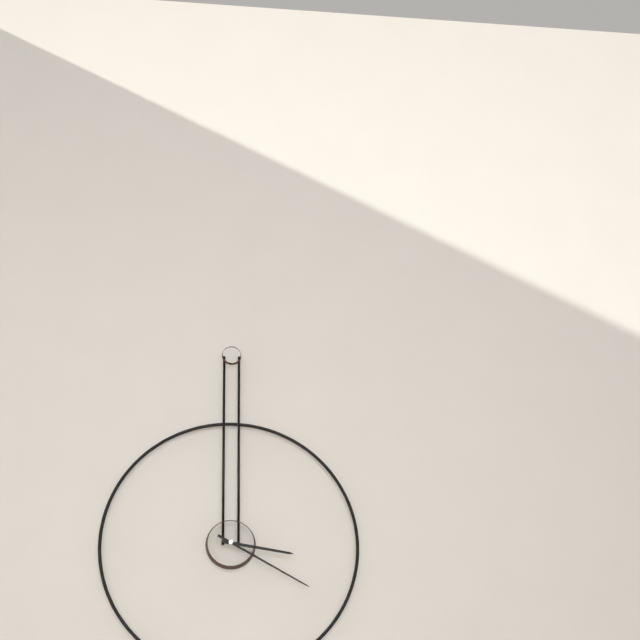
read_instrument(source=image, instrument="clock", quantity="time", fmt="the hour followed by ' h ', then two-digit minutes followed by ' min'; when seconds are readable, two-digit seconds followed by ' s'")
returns 3 h 20 min
